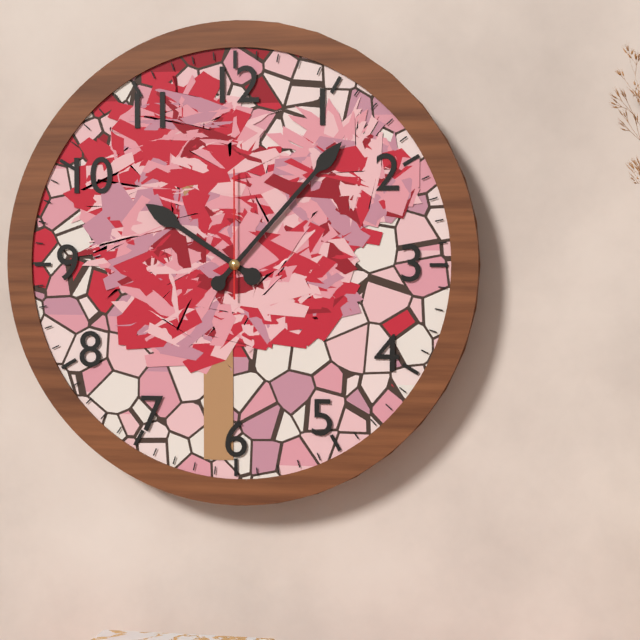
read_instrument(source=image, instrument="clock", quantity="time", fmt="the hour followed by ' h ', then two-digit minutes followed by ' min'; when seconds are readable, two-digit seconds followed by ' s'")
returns 10 h 07 min 00 s
